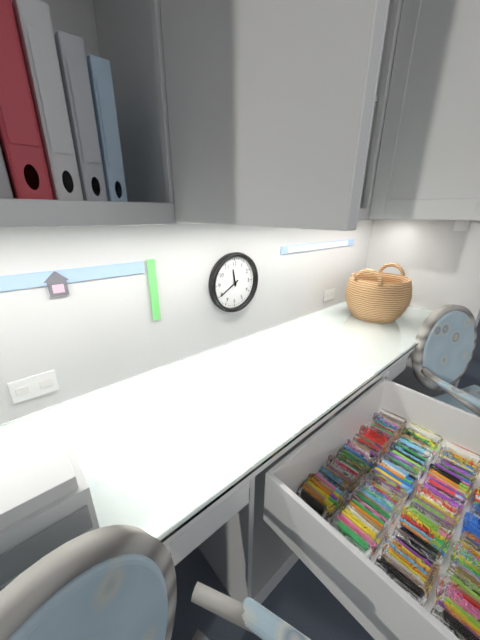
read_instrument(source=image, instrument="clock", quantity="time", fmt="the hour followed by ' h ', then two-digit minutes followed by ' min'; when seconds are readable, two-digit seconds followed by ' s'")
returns 11 h 40 min
